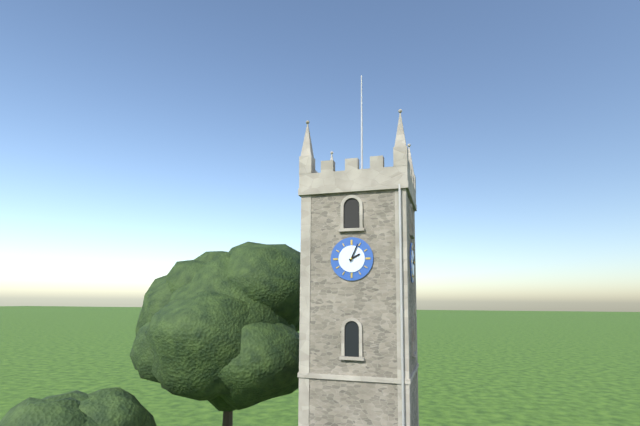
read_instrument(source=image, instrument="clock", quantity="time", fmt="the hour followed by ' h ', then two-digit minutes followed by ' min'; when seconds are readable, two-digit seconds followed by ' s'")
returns 2 h 04 min
